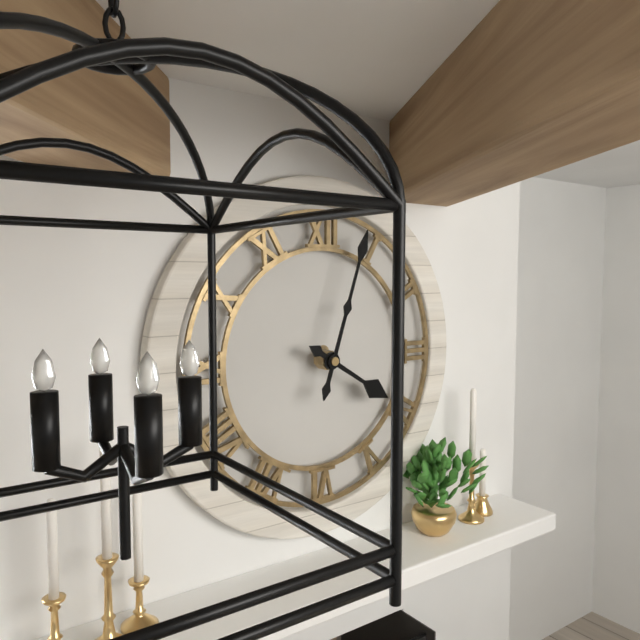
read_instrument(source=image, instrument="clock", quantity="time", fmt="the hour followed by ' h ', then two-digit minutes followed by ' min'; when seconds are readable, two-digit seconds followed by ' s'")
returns 4 h 03 min
